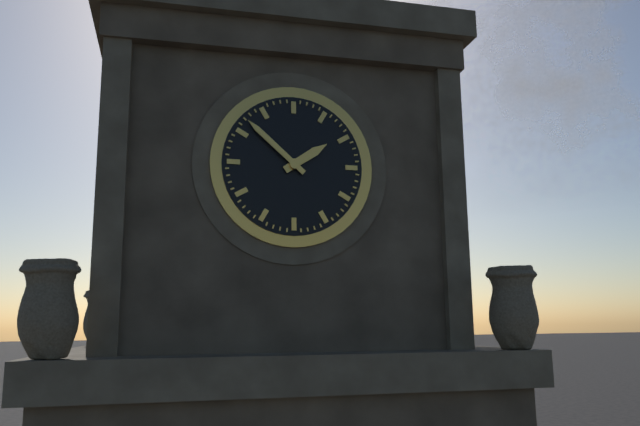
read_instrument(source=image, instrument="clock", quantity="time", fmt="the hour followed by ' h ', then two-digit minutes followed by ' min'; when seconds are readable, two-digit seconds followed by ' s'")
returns 1 h 52 min
